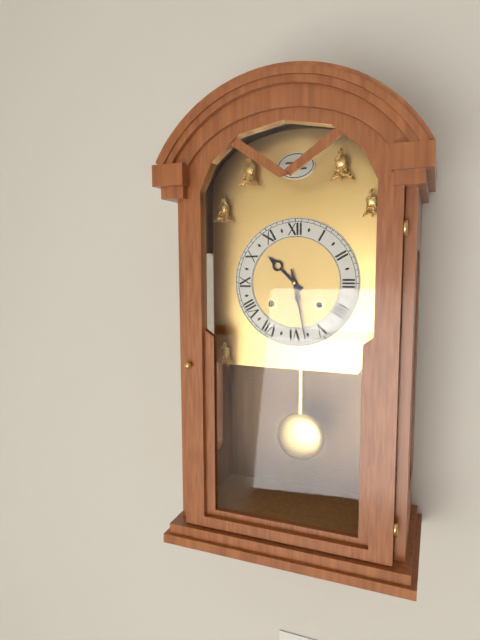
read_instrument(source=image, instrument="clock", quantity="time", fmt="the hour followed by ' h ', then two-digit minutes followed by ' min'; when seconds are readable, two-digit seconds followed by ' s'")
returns 10 h 28 min
